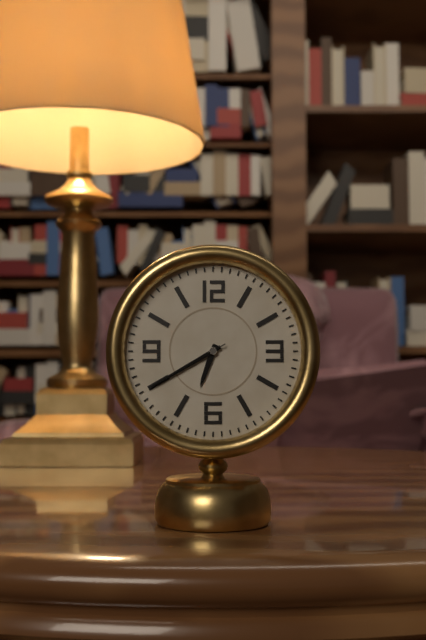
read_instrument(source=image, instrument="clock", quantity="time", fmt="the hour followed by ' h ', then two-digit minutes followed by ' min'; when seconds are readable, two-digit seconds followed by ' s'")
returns 6 h 40 min 40 s
